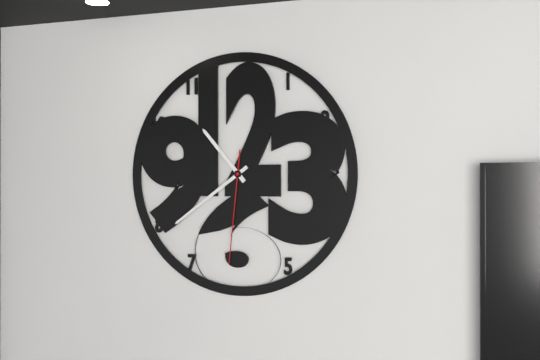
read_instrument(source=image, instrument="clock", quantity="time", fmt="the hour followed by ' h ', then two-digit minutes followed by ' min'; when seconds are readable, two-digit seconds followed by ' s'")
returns 10 h 39 min 31 s
